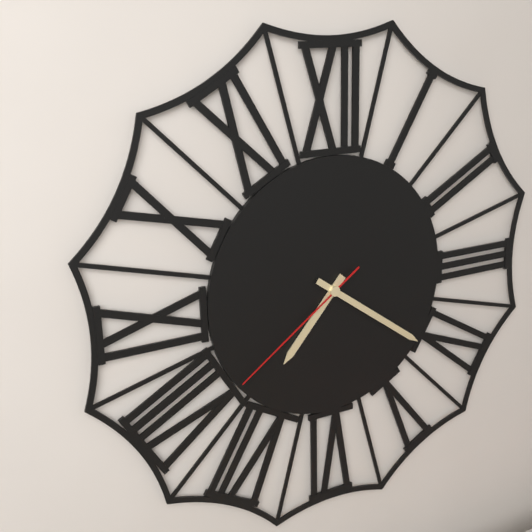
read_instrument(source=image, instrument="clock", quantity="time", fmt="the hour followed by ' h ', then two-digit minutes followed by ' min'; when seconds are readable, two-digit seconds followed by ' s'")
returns 7 h 21 min 39 s
